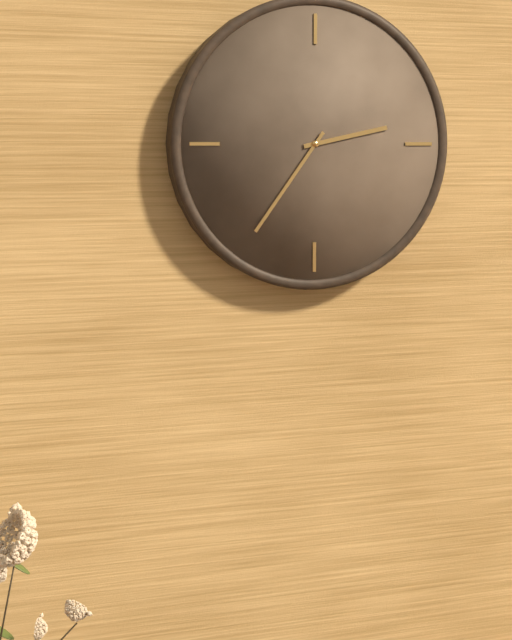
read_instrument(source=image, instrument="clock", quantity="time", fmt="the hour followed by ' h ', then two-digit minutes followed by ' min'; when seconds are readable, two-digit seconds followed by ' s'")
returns 2 h 36 min
